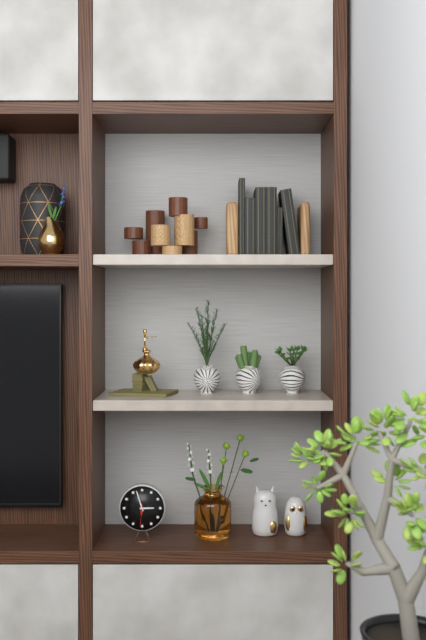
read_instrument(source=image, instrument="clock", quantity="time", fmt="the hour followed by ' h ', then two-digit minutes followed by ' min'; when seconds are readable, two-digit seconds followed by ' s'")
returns 2 h 57 min
